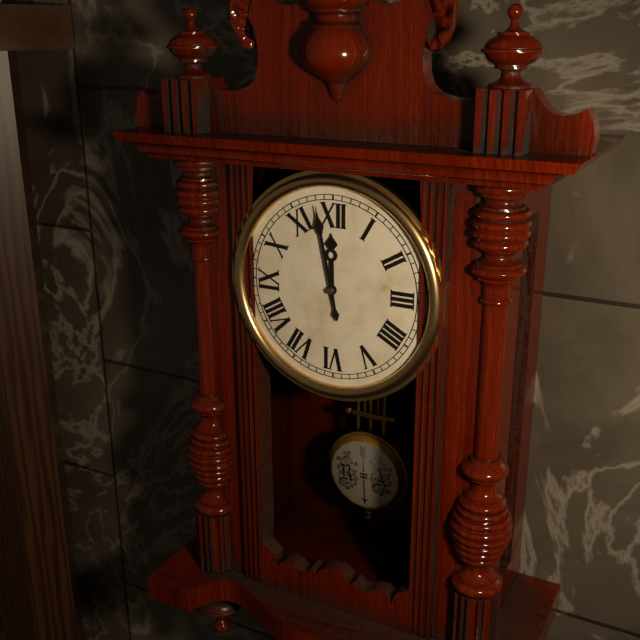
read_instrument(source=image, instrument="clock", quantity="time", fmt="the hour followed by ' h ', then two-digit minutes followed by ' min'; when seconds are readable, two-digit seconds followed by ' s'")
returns 11 h 58 min
